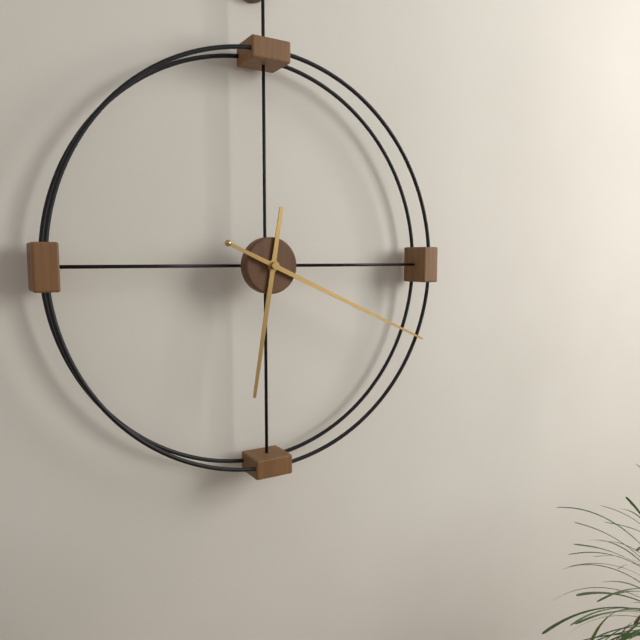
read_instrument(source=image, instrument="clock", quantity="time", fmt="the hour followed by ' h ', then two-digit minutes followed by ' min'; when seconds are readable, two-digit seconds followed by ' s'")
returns 6 h 19 min
